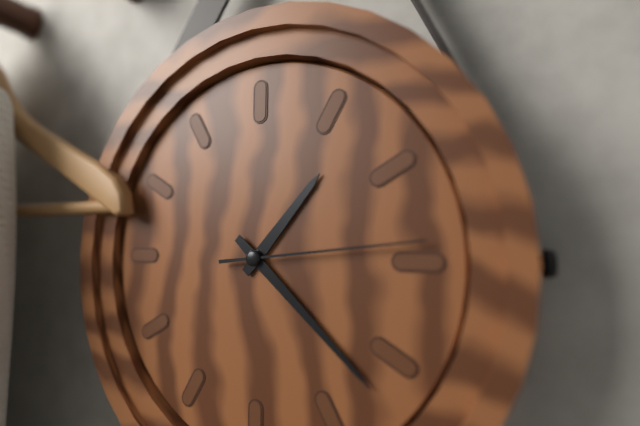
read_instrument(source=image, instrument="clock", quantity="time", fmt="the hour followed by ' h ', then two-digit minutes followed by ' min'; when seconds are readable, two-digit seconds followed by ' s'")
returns 1 h 22 min 14 s
